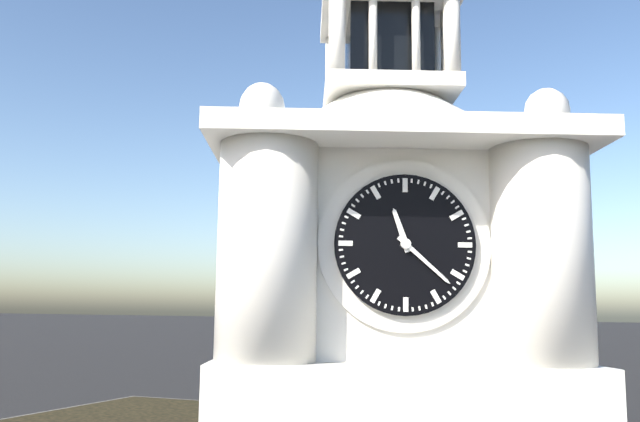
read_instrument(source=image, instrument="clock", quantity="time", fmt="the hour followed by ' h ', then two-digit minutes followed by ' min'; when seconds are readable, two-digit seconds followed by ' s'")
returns 11 h 22 min
